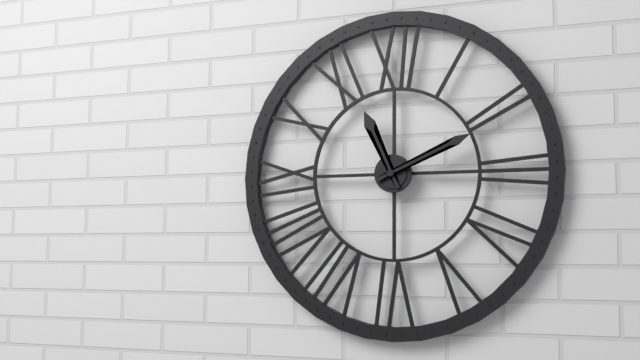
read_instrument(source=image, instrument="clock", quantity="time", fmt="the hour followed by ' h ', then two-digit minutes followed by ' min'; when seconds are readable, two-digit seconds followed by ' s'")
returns 11 h 11 min
